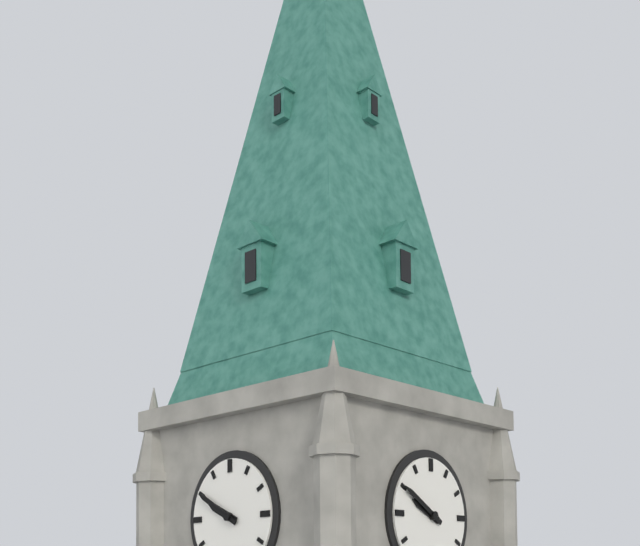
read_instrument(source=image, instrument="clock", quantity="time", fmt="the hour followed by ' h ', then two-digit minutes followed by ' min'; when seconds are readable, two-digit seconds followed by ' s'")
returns 9 h 50 min
